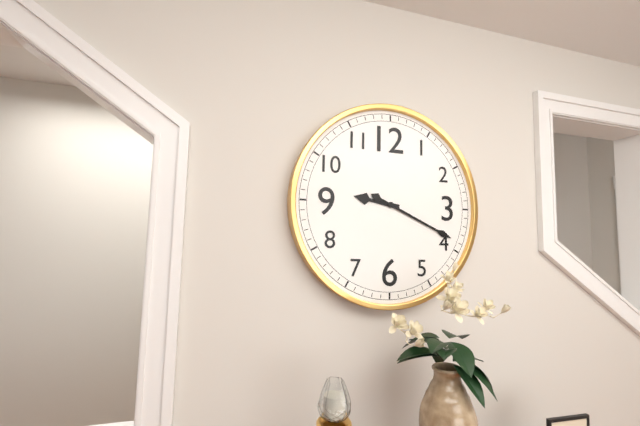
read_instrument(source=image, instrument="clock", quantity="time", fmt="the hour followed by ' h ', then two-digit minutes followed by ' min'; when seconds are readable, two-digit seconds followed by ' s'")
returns 9 h 19 min
